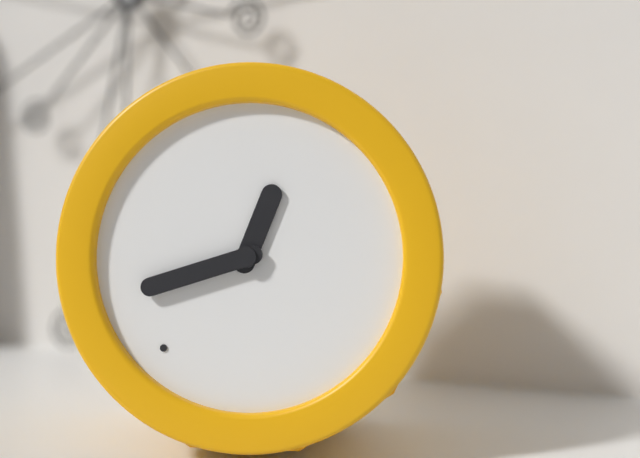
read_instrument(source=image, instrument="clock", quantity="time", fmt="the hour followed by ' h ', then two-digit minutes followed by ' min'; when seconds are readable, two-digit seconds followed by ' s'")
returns 12 h 42 min
